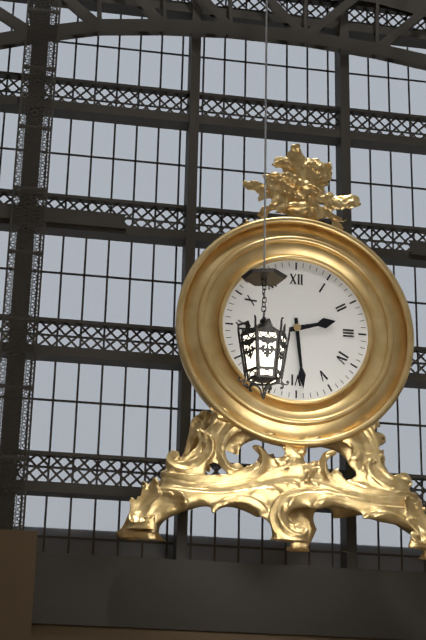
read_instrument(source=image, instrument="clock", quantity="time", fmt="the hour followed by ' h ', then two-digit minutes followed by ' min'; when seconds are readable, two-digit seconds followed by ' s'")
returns 2 h 29 min
